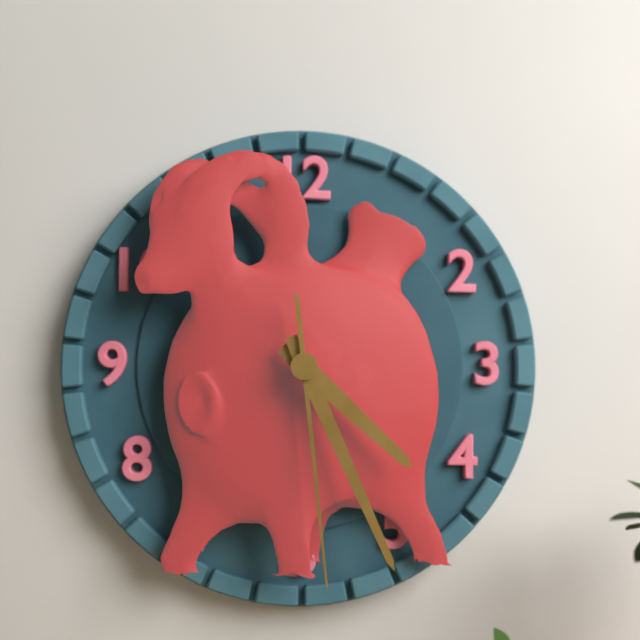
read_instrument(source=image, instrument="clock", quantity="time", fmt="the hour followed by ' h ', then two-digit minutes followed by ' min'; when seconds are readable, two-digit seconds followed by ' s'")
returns 4 h 26 min 29 s
